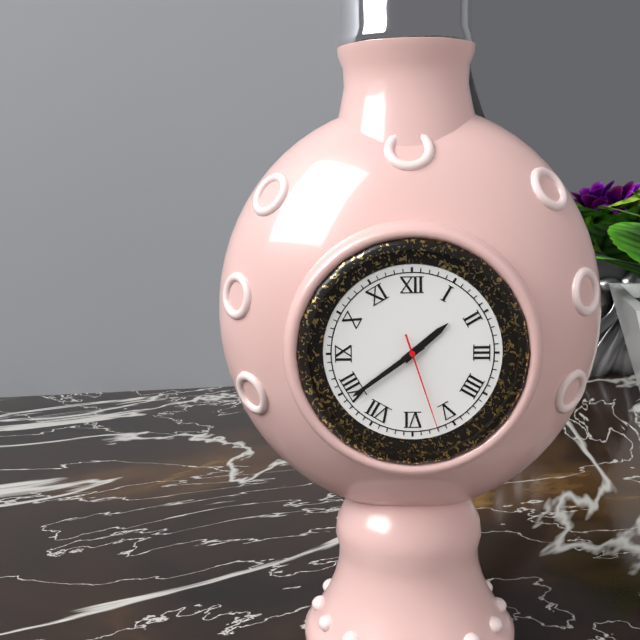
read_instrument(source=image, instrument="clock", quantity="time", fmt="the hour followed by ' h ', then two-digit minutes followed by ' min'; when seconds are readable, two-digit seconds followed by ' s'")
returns 1 h 39 min 27 s
